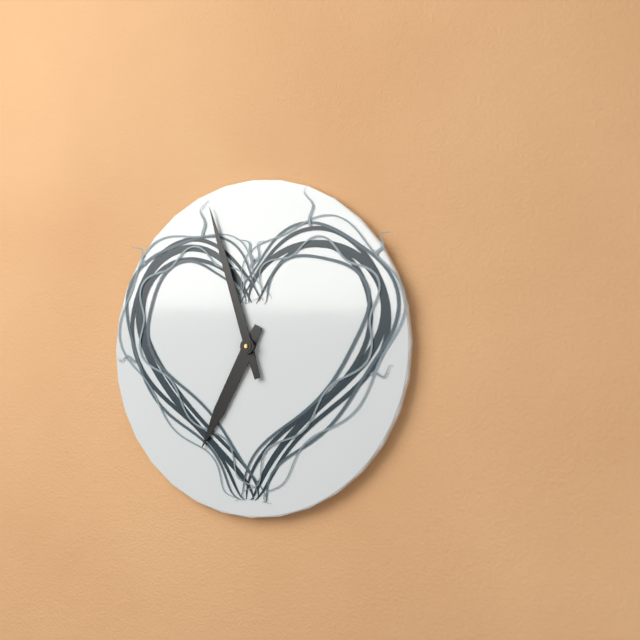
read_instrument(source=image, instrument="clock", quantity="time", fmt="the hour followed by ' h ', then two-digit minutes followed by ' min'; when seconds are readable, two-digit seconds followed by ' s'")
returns 6 h 57 min
